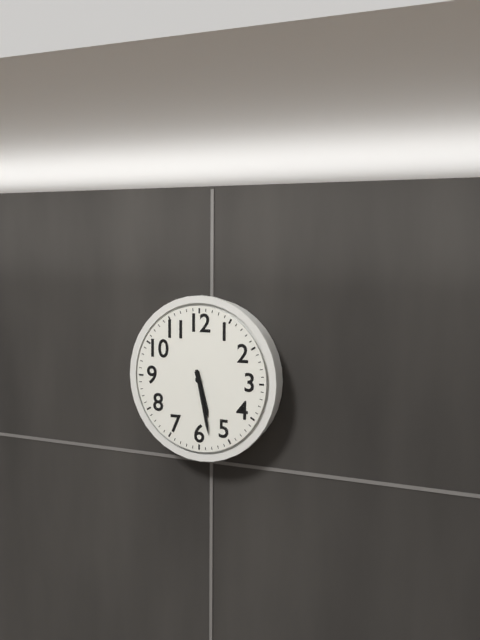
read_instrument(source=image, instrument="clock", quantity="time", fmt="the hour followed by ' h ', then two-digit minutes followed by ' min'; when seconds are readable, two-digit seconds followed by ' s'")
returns 5 h 28 min
